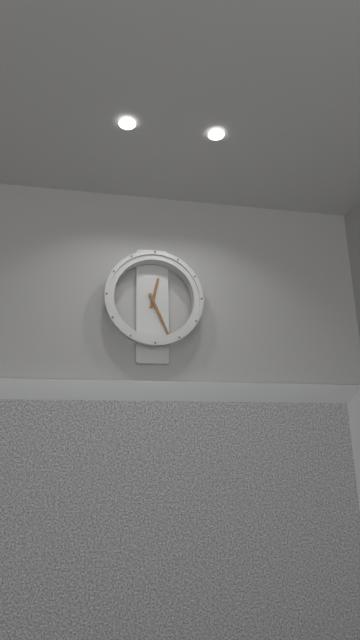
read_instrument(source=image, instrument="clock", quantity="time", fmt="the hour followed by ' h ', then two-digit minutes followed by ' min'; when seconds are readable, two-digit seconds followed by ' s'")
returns 12 h 26 min
